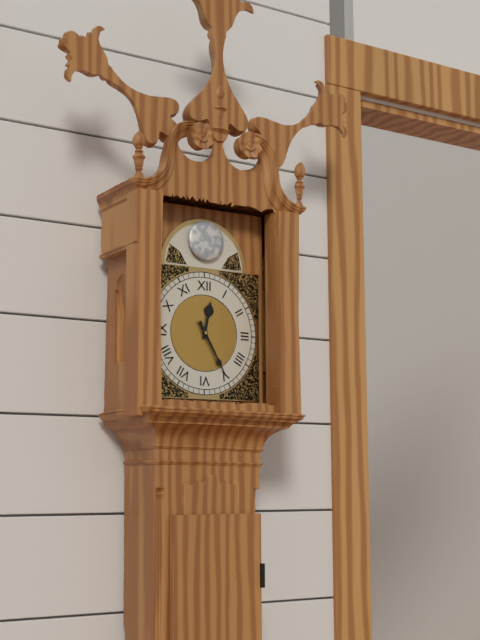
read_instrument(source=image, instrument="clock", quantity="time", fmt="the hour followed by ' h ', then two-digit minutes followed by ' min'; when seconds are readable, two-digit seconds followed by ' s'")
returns 12 h 25 min
